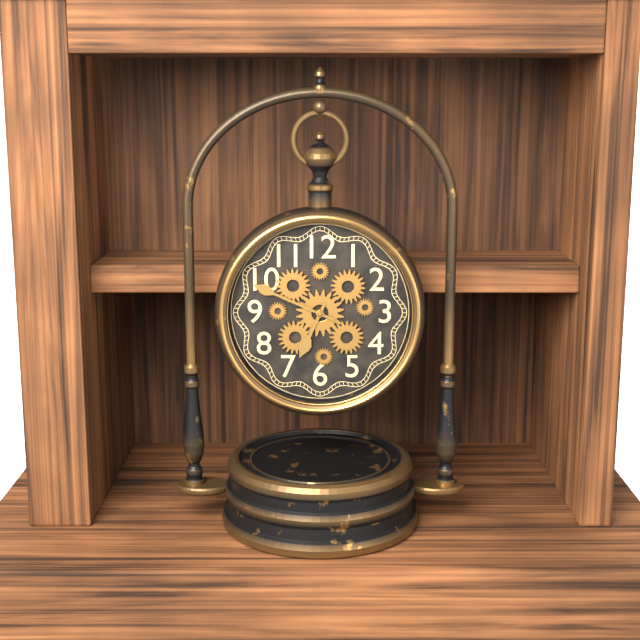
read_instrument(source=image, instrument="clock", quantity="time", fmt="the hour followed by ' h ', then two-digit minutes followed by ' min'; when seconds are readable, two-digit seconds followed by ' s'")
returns 6 h 49 min
